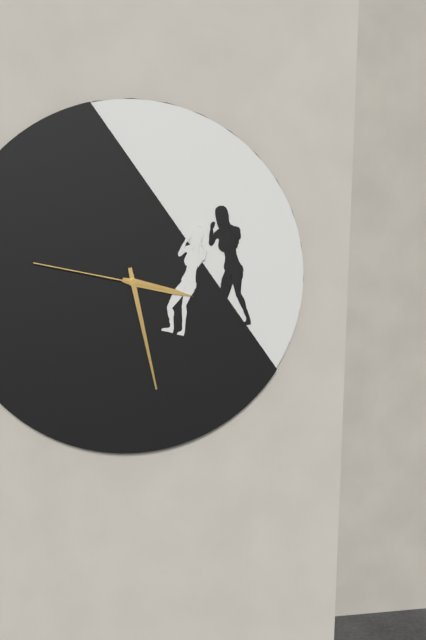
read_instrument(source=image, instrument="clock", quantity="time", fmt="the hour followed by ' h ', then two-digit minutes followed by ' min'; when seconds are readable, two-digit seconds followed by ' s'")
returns 3 h 28 min 47 s
